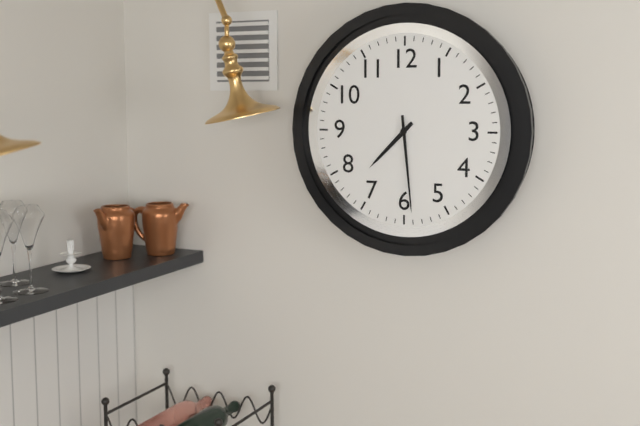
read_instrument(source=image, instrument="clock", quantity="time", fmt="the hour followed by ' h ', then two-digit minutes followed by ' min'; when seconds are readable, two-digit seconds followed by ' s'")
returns 7 h 29 min
